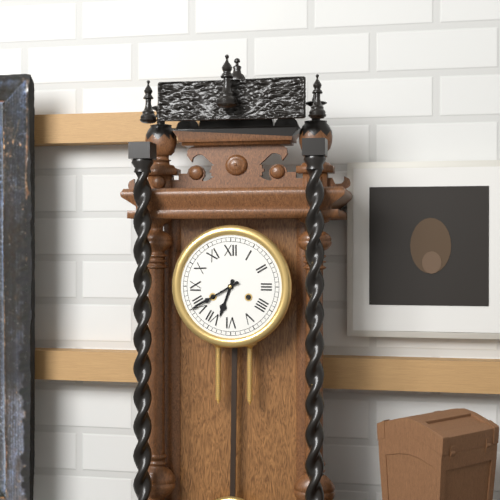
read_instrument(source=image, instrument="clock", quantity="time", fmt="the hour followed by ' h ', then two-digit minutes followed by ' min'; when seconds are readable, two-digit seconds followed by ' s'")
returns 6 h 40 min
